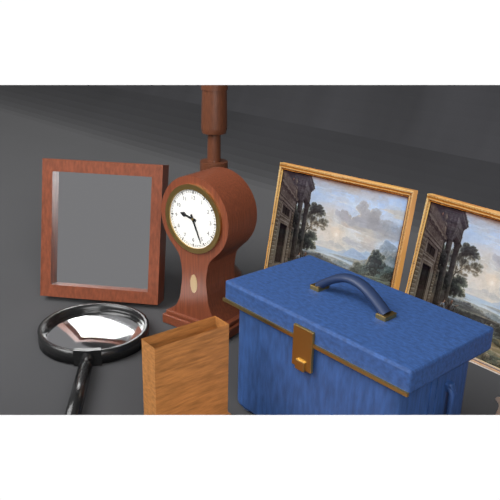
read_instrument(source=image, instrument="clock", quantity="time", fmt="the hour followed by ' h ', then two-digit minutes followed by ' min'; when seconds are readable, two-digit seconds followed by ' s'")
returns 9 h 26 min
